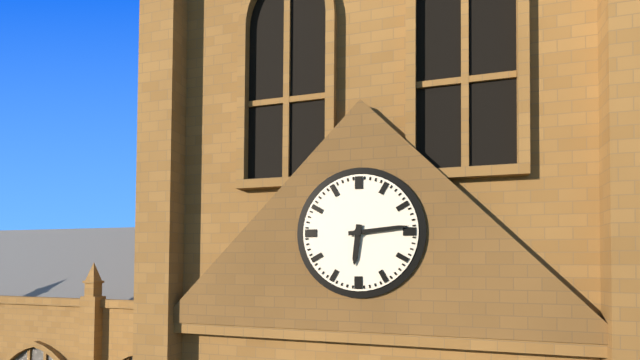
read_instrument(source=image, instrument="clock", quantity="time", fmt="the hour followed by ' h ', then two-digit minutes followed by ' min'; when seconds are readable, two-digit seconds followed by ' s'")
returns 6 h 14 min
